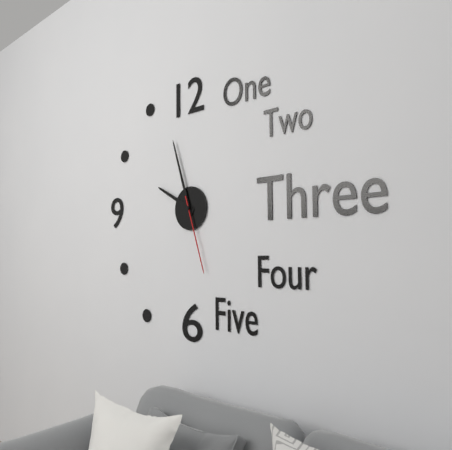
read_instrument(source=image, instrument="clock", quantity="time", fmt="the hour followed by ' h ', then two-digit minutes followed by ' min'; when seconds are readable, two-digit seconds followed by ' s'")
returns 9 h 57 min 27 s
